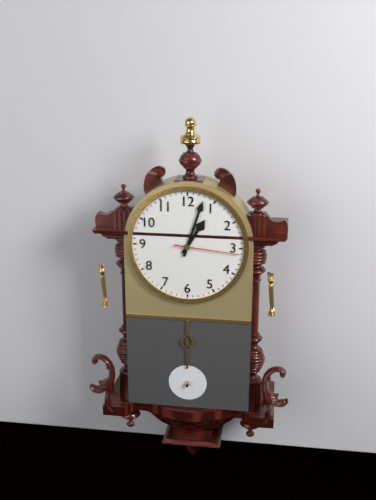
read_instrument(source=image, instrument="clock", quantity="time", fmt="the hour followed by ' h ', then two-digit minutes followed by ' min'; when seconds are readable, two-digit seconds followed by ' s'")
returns 1 h 03 min 16 s
